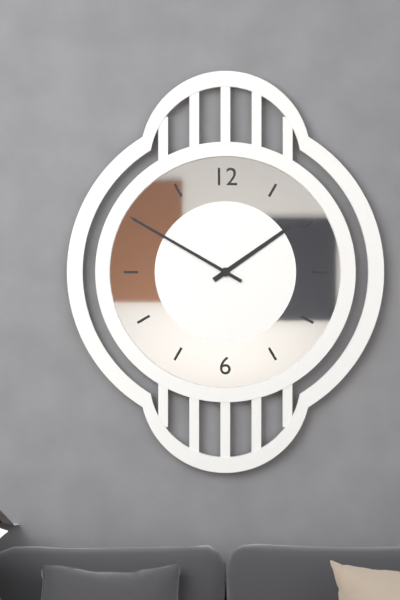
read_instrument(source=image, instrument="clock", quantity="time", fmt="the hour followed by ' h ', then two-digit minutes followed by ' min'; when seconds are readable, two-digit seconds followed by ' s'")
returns 1 h 50 min
